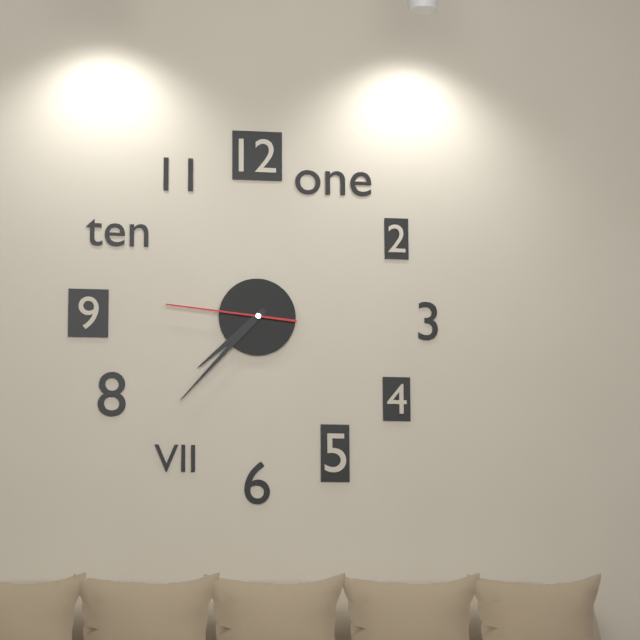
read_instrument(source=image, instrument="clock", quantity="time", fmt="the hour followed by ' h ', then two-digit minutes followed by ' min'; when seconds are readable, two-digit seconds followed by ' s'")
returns 7 h 37 min 46 s
